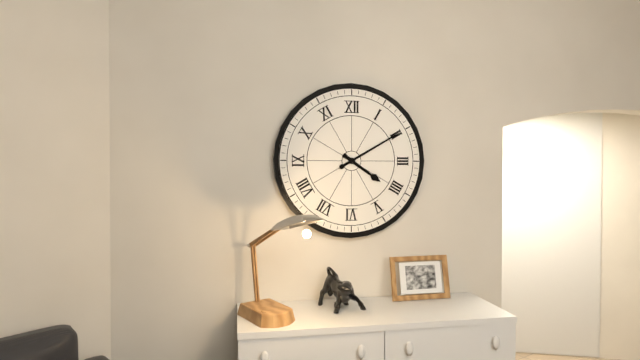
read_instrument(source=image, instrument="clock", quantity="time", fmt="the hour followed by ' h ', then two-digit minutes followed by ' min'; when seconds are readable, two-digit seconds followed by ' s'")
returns 4 h 10 min
